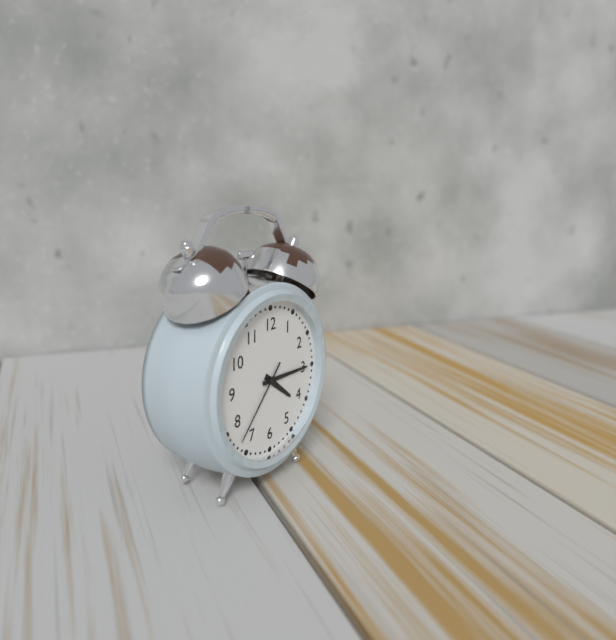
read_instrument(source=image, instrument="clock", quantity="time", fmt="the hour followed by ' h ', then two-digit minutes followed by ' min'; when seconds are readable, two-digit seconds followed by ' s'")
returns 4 h 15 min 37 s
